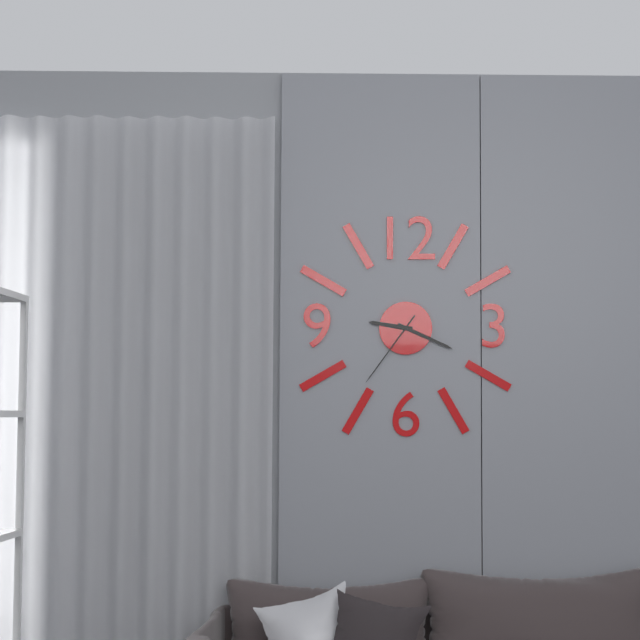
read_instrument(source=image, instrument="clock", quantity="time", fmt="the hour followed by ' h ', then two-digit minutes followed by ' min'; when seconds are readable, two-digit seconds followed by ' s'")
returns 9 h 19 min 36 s
